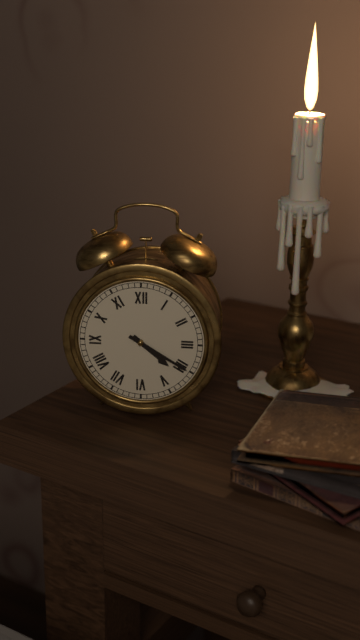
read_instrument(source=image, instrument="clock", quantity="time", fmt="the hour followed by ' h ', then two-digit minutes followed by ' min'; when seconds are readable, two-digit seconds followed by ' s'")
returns 4 h 20 min
